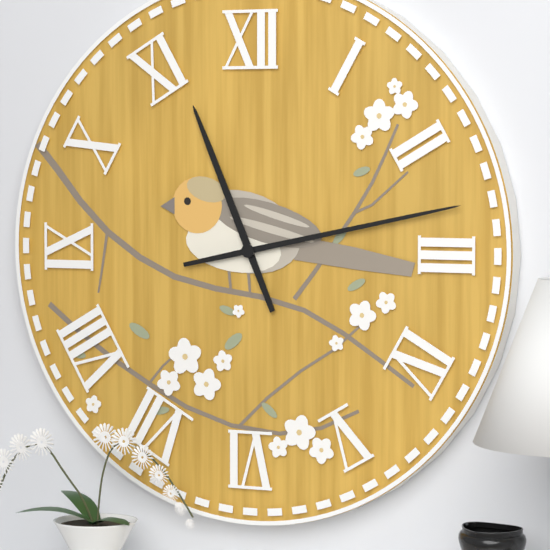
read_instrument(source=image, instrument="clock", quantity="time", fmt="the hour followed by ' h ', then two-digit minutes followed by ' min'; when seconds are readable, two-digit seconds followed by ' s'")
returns 11 h 13 min
